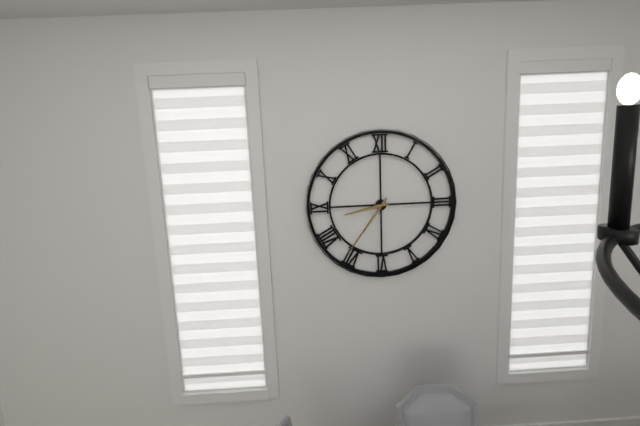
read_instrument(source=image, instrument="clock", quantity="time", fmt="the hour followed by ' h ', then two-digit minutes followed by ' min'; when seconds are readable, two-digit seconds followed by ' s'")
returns 8 h 36 min
